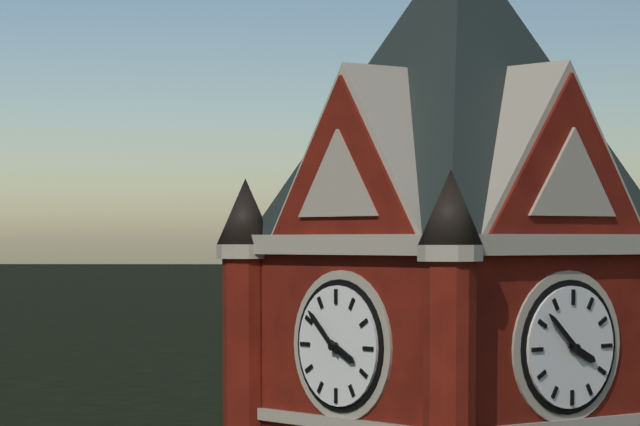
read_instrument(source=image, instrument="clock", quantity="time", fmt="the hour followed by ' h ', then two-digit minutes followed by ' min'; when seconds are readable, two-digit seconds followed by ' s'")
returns 3 h 52 min
